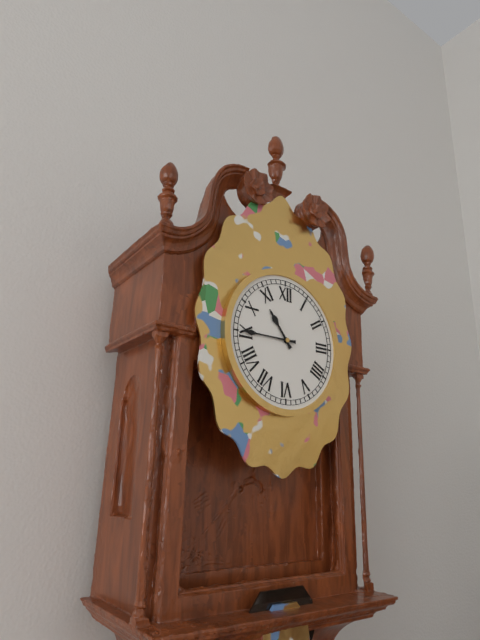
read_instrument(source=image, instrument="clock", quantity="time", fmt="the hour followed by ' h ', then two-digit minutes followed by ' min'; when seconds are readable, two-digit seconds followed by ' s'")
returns 10 h 45 min
